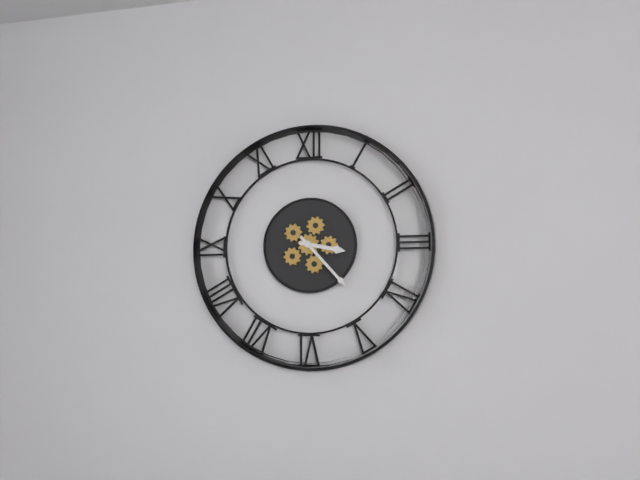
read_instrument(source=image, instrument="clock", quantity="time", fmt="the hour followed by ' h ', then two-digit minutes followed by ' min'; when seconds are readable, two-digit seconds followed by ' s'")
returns 3 h 23 min
